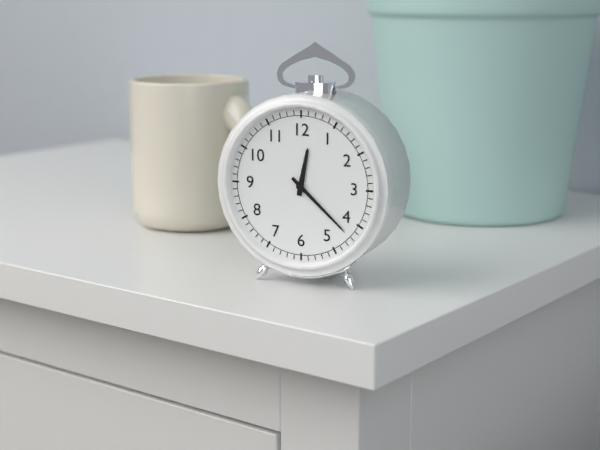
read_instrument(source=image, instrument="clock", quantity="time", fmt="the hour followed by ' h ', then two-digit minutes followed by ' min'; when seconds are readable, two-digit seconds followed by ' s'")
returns 12 h 22 min
